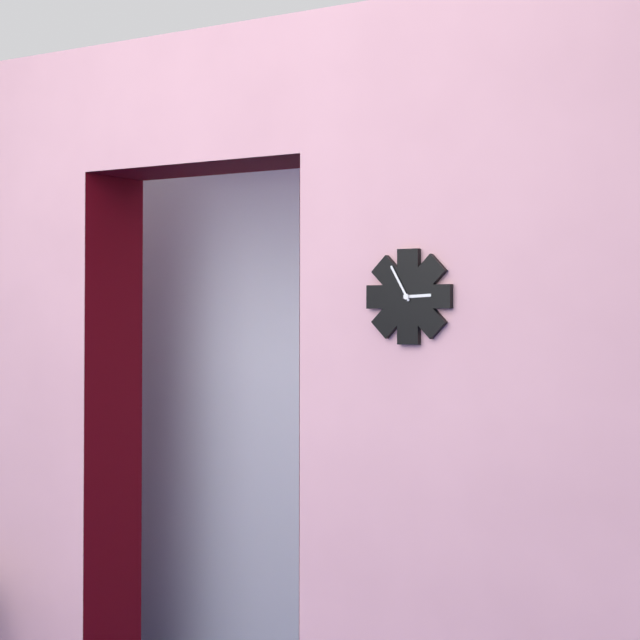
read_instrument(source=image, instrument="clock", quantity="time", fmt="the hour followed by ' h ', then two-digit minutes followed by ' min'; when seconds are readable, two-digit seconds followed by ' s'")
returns 2 h 55 min
